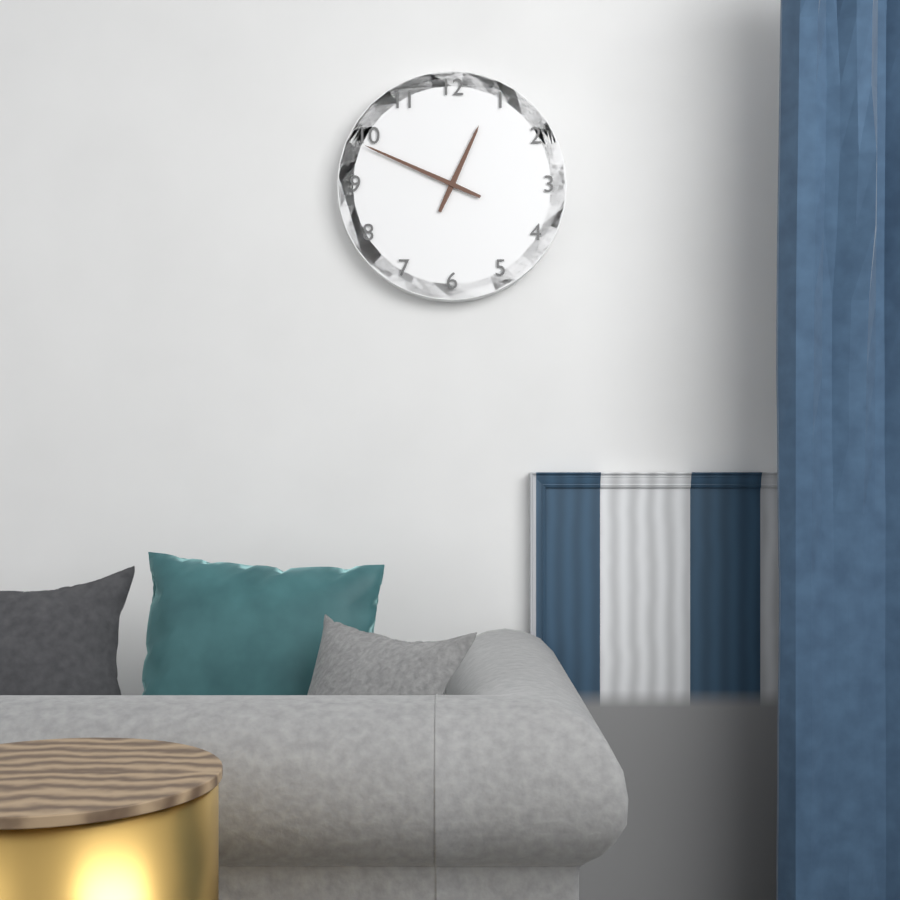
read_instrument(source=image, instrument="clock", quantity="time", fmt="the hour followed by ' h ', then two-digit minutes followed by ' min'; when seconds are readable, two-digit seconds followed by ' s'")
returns 12 h 49 min
